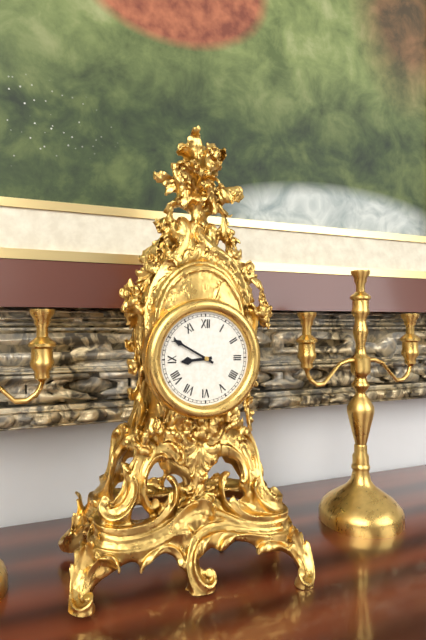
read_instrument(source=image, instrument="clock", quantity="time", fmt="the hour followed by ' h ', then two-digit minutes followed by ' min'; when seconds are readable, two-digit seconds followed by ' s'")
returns 8 h 50 min
